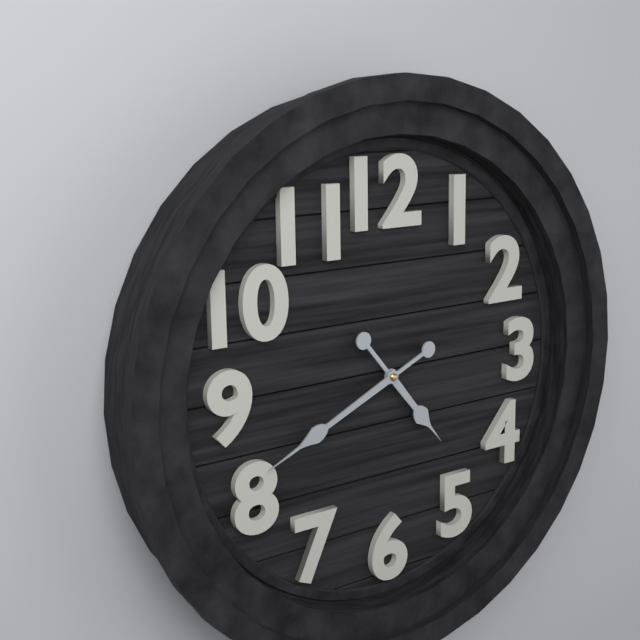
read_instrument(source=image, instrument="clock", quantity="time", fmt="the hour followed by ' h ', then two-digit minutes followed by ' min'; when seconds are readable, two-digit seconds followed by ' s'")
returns 4 h 41 min
